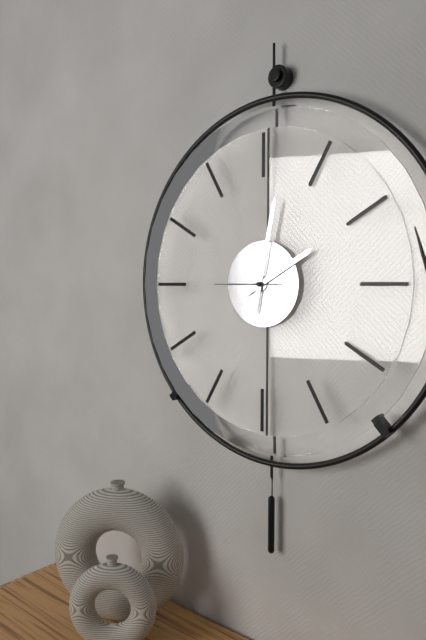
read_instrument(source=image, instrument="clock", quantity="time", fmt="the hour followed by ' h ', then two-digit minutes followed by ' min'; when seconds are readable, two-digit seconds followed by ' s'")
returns 2 h 02 min 45 s
